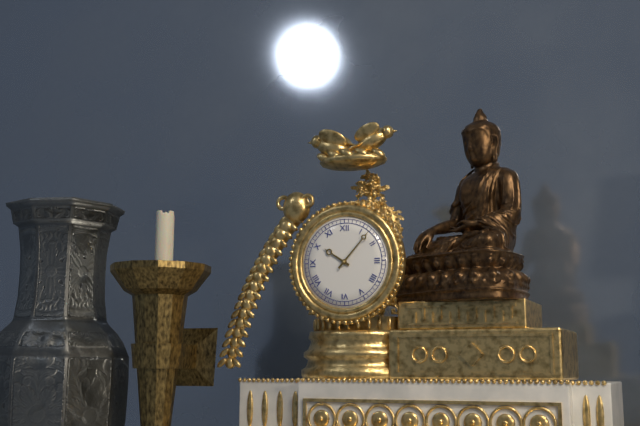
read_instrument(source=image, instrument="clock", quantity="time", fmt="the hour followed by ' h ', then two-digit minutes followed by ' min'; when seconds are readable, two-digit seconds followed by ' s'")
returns 10 h 07 min
